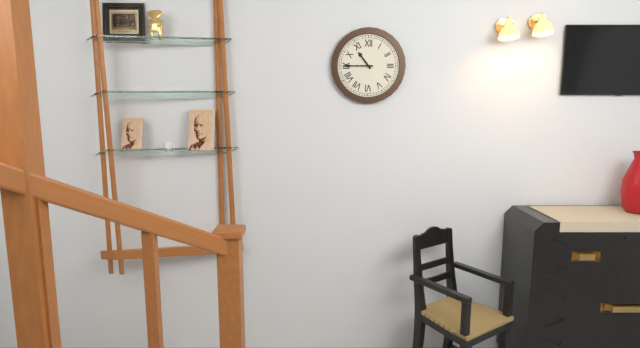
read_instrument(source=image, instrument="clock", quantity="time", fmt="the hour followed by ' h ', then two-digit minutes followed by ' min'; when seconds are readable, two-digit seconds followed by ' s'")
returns 10 h 45 min
